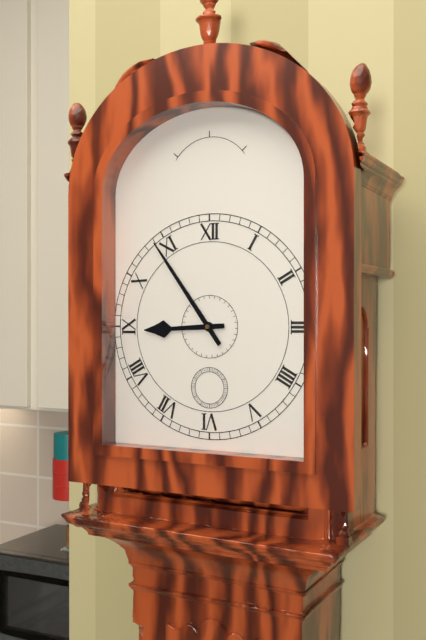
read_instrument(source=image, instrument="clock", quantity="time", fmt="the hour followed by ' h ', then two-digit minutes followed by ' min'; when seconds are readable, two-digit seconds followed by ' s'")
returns 8 h 54 min
